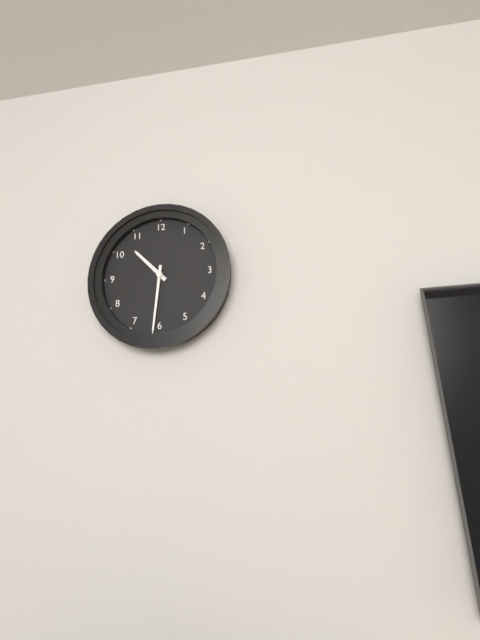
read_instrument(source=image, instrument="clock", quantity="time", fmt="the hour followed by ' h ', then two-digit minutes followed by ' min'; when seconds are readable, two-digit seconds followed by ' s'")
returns 10 h 31 min
